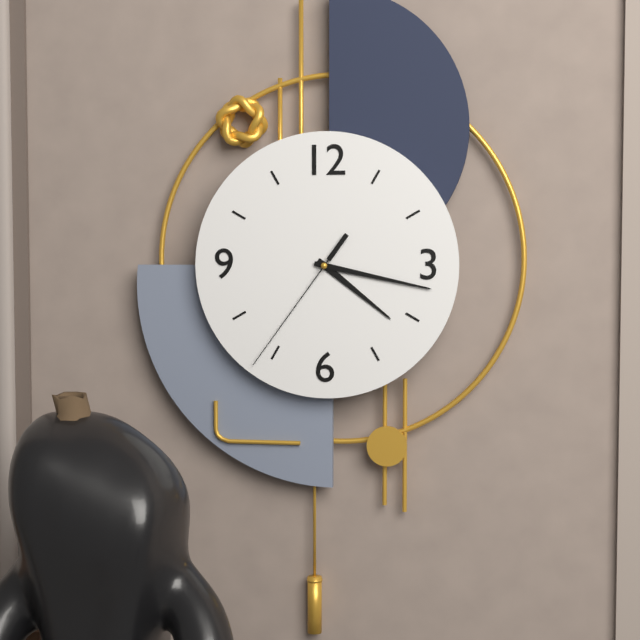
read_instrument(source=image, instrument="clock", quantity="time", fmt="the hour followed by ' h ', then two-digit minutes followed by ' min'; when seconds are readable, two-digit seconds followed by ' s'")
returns 4 h 17 min 36 s
